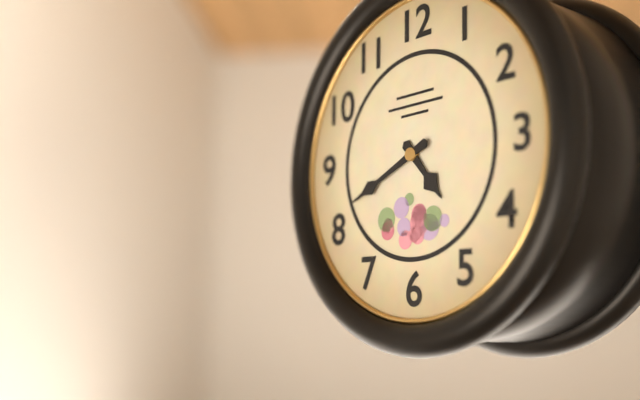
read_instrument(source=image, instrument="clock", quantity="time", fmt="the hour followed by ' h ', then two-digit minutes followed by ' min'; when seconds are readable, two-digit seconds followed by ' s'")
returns 4 h 41 min
